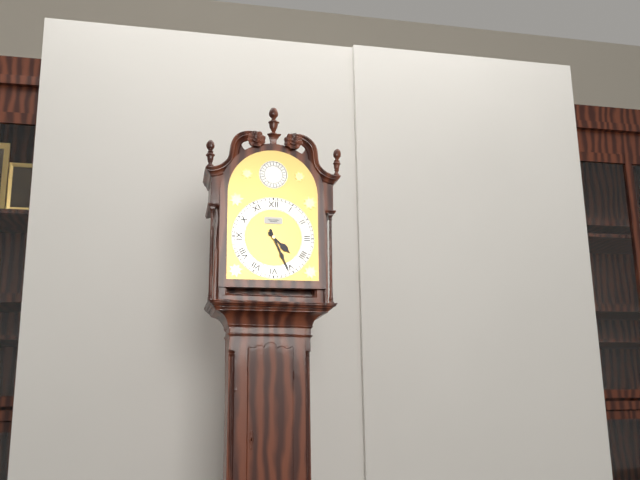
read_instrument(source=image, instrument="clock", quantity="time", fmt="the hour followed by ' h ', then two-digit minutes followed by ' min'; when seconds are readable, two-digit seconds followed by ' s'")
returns 4 h 26 min
